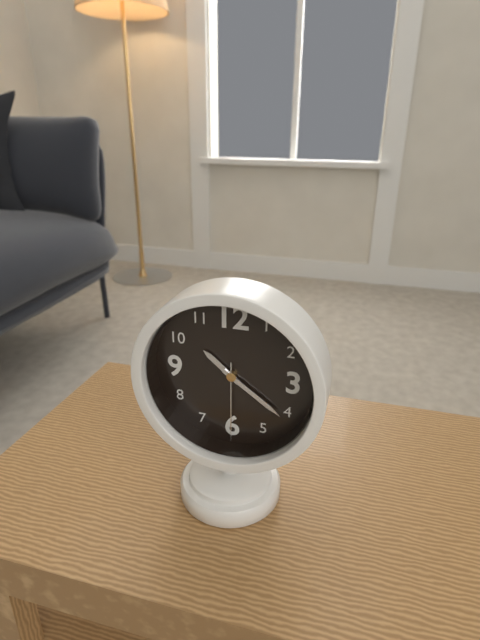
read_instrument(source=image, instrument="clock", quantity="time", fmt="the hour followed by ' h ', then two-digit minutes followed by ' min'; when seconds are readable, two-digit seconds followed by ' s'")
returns 10 h 21 min 30 s
